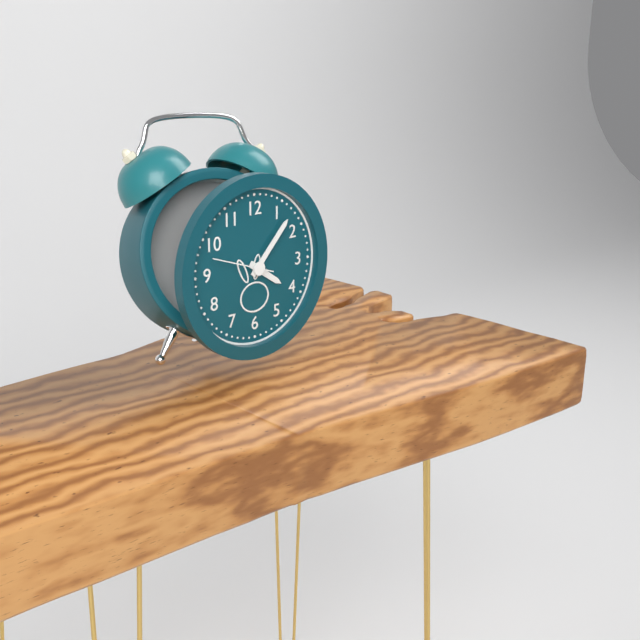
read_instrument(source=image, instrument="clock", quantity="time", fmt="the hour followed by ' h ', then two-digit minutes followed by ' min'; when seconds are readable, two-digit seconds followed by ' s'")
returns 4 h 07 min 48 s
